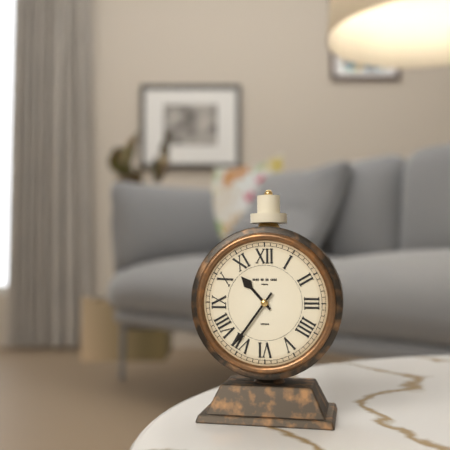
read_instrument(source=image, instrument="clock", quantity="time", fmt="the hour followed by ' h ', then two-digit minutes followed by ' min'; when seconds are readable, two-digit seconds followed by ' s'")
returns 10 h 36 min
